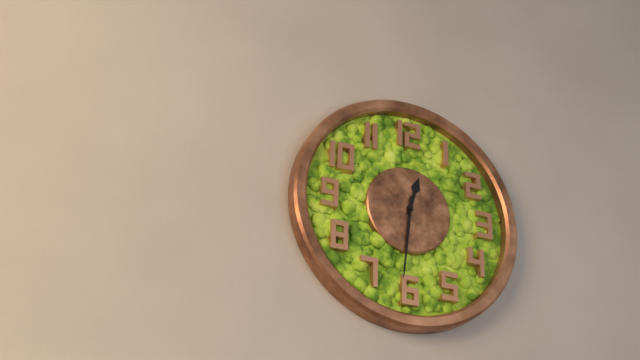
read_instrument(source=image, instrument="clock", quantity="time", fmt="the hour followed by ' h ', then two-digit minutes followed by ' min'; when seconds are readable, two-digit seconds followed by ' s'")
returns 12 h 31 min
